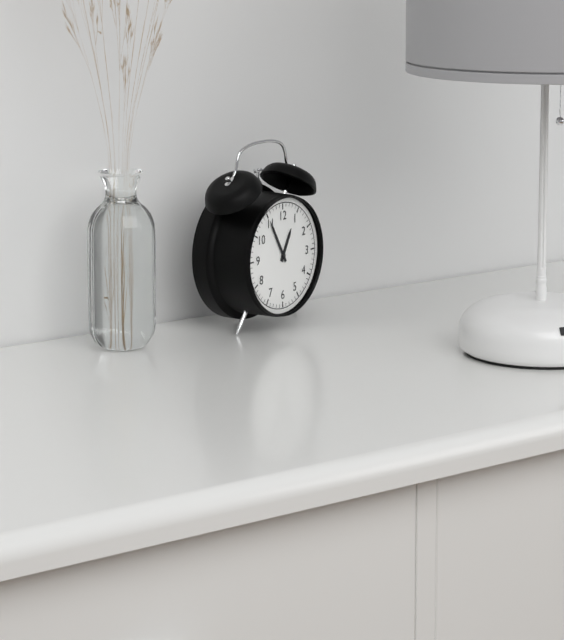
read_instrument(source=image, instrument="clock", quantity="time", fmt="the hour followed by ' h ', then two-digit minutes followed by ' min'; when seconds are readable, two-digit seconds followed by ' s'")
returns 12 h 55 min
